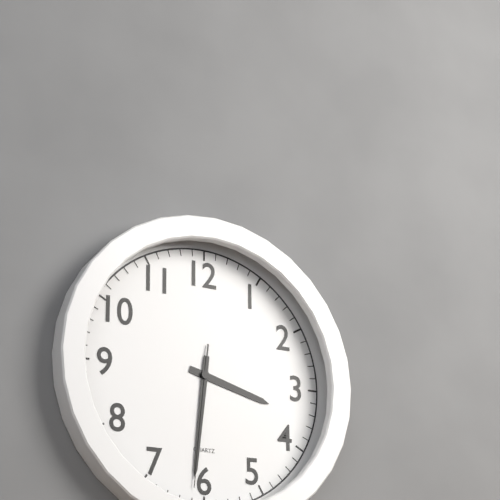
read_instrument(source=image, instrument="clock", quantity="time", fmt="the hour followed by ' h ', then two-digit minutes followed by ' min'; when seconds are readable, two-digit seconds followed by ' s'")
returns 3 h 31 min 31 s
